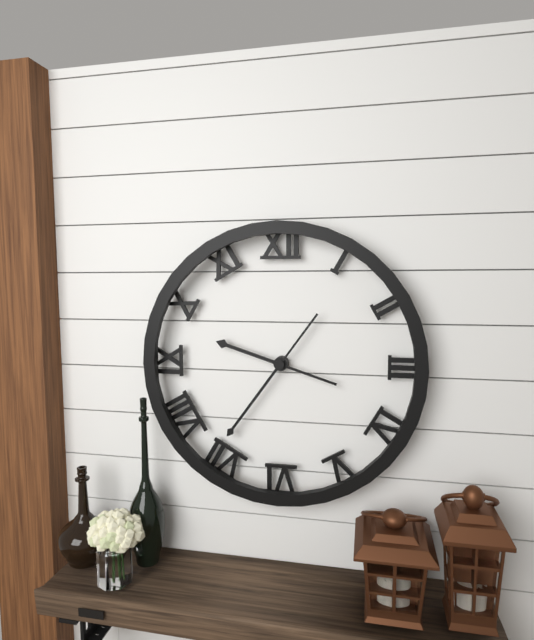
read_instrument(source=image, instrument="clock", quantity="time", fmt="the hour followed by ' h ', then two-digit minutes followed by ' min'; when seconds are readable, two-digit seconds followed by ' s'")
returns 9 h 36 min
